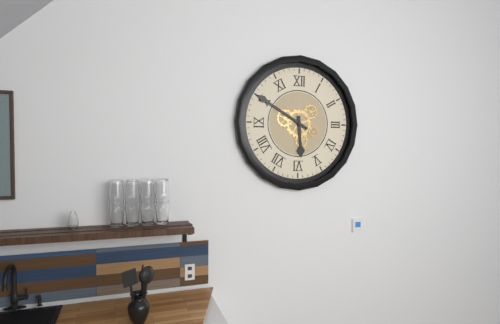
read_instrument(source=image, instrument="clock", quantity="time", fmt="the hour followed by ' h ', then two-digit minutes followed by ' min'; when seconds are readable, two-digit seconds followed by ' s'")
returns 5 h 50 min
